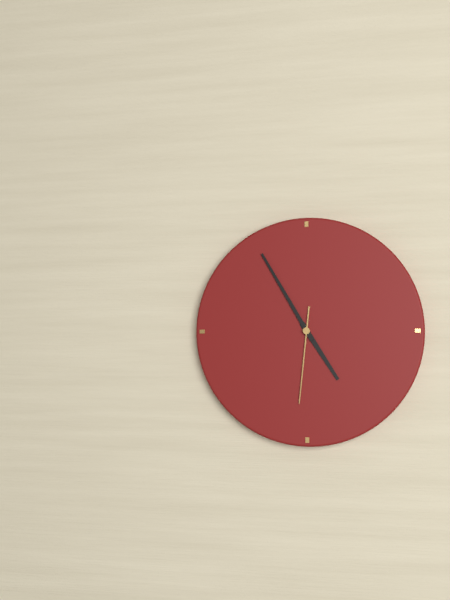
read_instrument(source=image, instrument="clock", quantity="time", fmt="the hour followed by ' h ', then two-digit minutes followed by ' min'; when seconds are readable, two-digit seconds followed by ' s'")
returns 4 h 55 min 31 s
